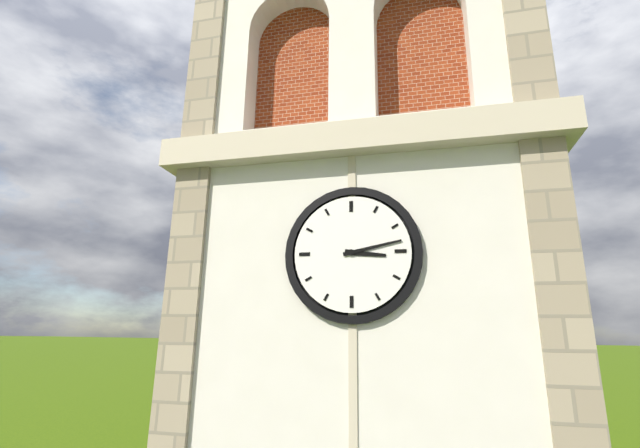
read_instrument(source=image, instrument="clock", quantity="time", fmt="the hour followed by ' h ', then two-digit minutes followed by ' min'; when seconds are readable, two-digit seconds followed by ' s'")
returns 3 h 13 min
